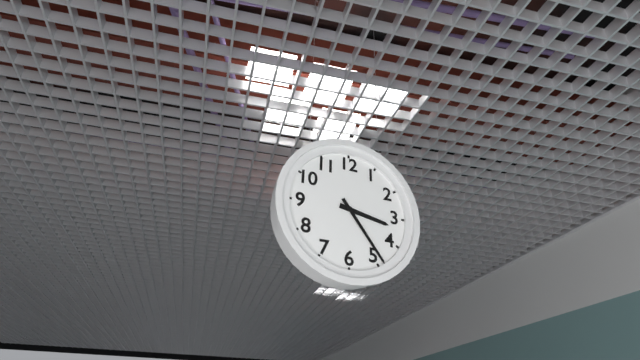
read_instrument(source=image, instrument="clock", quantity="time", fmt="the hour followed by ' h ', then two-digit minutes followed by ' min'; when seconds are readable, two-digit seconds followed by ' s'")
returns 3 h 24 min
